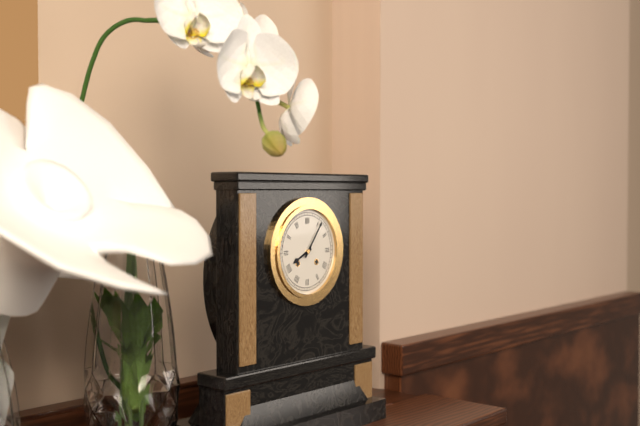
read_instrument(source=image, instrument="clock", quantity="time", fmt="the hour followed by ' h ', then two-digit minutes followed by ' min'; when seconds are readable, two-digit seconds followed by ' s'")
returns 8 h 06 min
